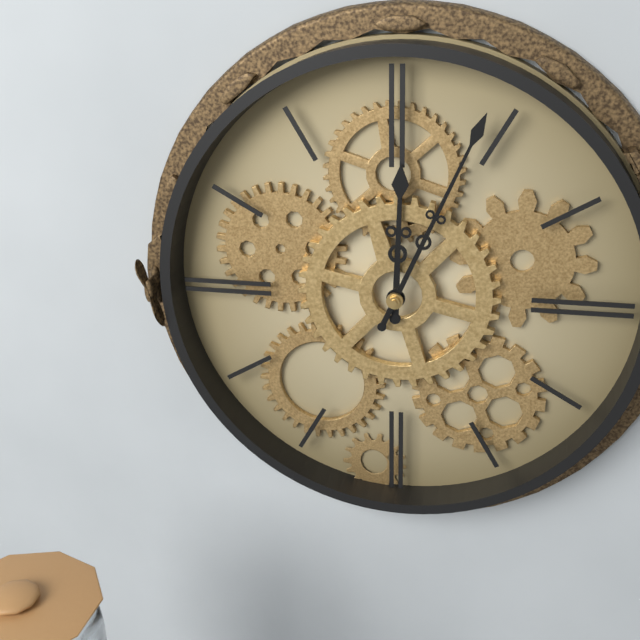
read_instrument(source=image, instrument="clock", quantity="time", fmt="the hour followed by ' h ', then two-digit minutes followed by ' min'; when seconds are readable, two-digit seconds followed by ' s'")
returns 12 h 04 min
